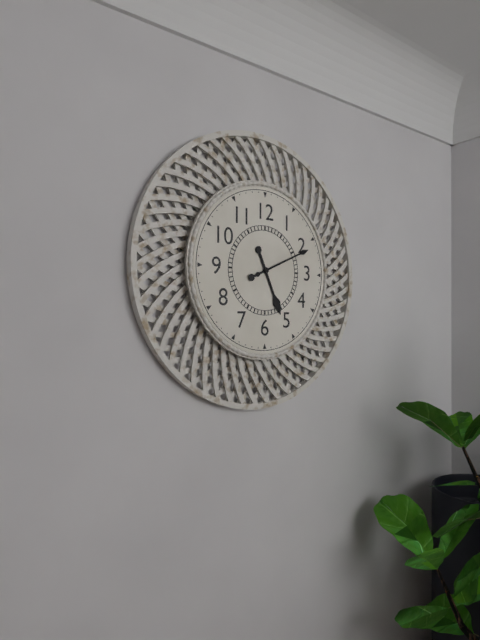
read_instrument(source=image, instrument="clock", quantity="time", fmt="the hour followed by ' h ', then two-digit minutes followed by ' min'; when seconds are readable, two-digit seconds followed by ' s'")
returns 5 h 11 min
